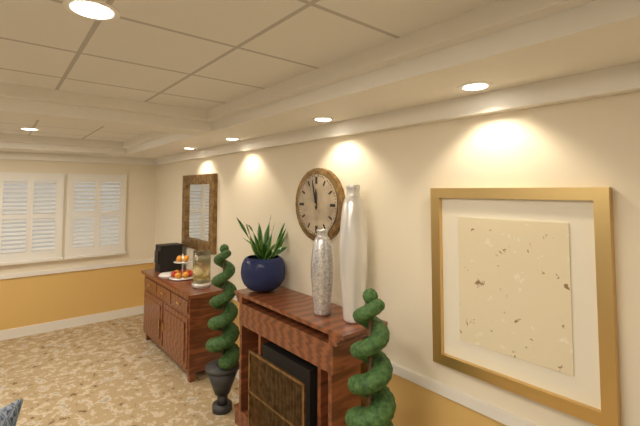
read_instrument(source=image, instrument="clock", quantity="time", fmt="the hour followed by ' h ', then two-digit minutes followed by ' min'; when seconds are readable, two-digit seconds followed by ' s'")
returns 11 h 58 min
